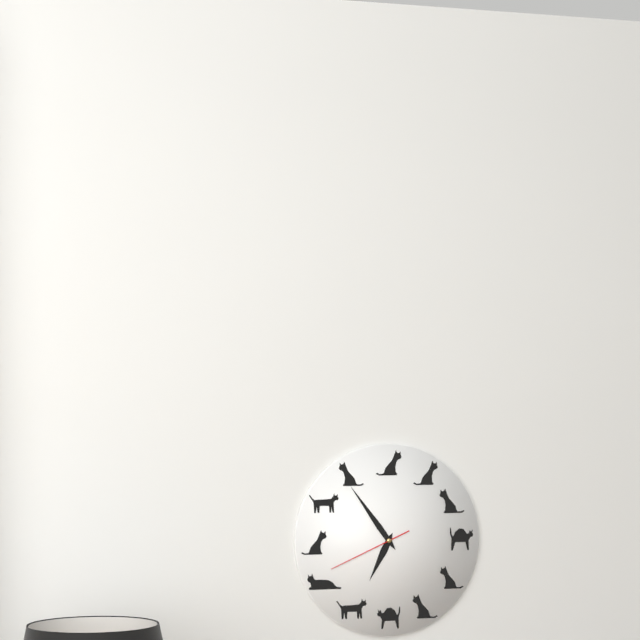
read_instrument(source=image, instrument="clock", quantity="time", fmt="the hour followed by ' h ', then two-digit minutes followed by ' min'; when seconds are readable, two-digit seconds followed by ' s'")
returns 6 h 54 min 41 s
